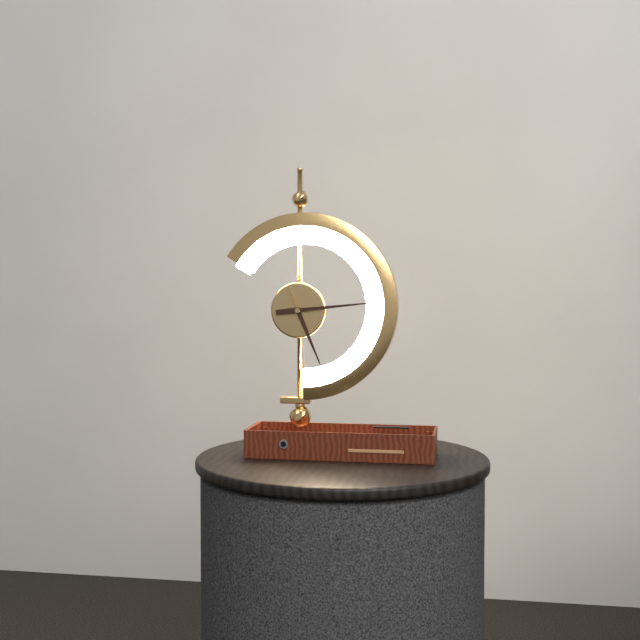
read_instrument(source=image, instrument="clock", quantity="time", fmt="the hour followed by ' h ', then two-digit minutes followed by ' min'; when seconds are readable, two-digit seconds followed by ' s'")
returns 5 h 14 min
